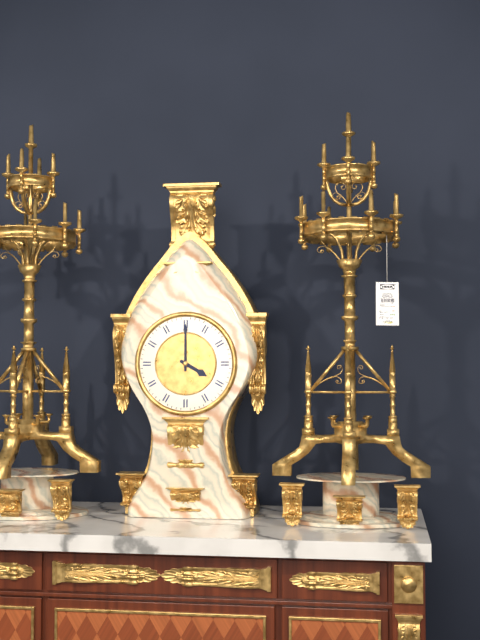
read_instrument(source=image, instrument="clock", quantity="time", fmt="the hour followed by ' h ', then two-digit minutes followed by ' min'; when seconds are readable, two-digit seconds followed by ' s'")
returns 4 h 00 min
